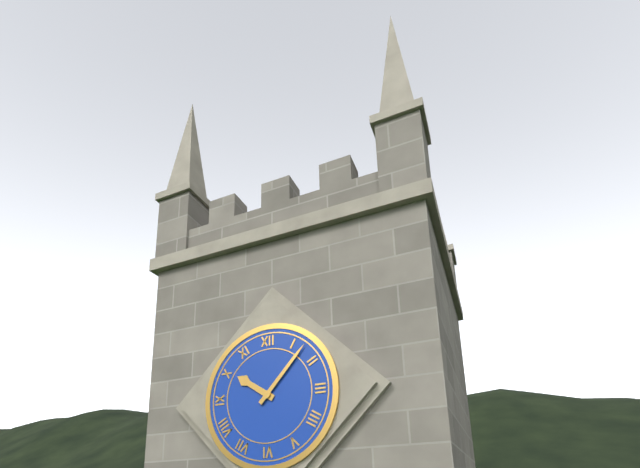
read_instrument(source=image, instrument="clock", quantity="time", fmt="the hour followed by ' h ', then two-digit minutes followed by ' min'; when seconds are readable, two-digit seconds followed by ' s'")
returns 10 h 07 min
